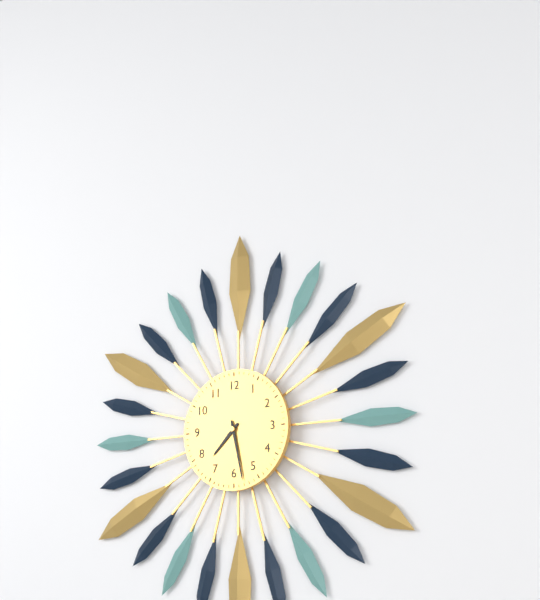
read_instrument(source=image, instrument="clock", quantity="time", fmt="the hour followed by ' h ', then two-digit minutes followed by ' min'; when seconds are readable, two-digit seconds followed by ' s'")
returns 7 h 28 min
